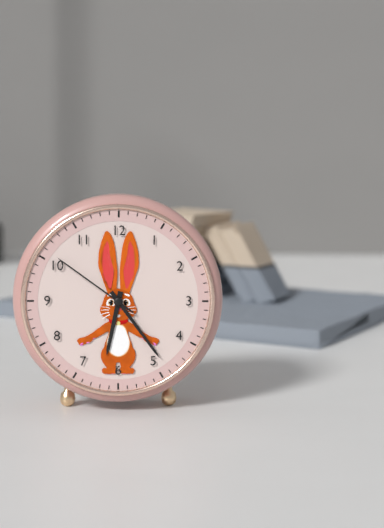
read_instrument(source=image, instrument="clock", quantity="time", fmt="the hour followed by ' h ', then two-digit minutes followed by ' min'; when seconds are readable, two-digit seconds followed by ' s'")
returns 6 h 24 min 51 s
